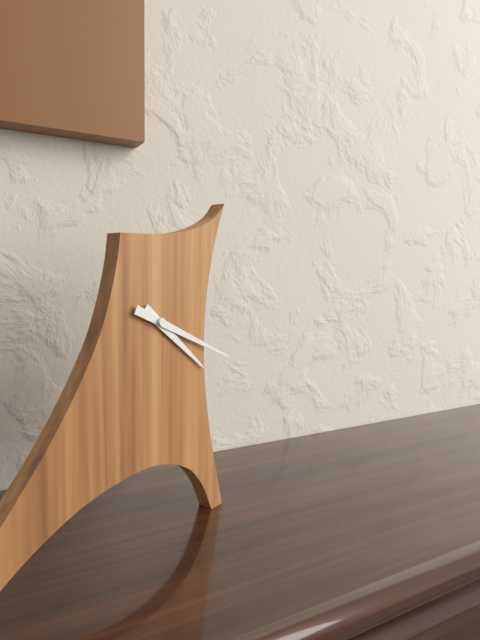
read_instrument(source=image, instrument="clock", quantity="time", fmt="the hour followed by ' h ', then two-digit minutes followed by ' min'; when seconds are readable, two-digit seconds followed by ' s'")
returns 4 h 19 min
